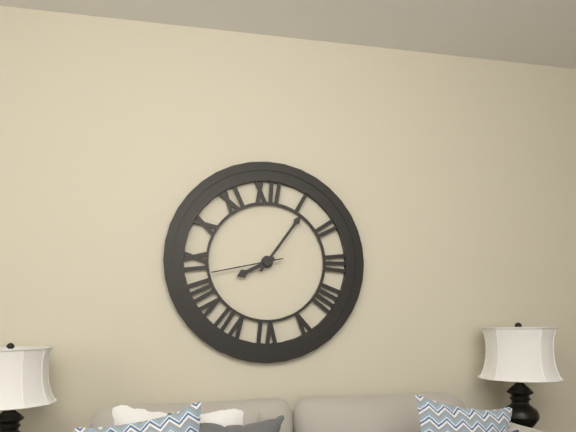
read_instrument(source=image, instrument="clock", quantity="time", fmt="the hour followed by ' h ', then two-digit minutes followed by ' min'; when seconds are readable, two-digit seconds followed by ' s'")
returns 8 h 06 min 43 s
